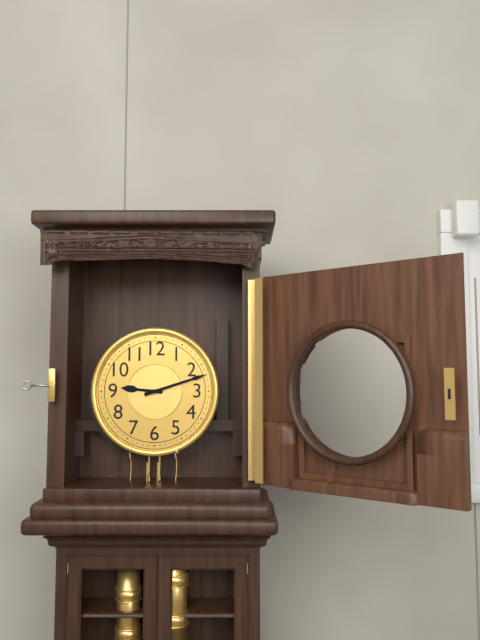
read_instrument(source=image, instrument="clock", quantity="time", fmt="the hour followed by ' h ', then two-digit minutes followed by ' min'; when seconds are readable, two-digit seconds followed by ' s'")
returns 9 h 12 min
